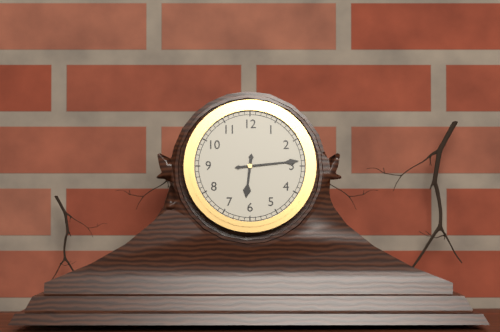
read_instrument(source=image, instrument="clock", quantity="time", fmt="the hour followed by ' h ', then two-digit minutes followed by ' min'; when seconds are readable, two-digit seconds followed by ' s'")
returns 6 h 14 min
